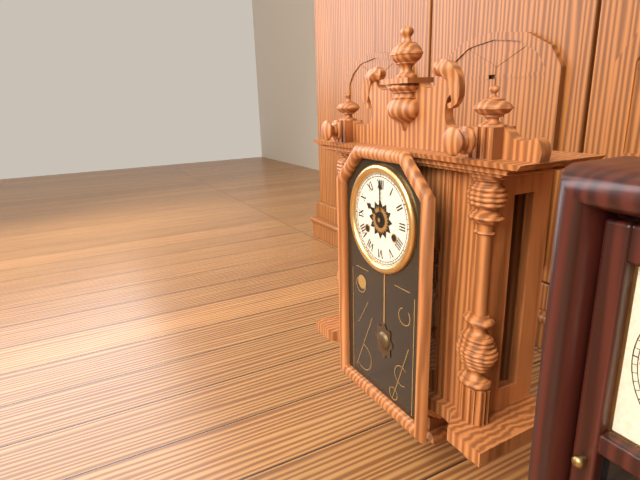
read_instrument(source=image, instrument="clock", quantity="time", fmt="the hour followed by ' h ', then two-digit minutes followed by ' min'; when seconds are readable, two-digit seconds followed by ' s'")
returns 10 h 00 min
